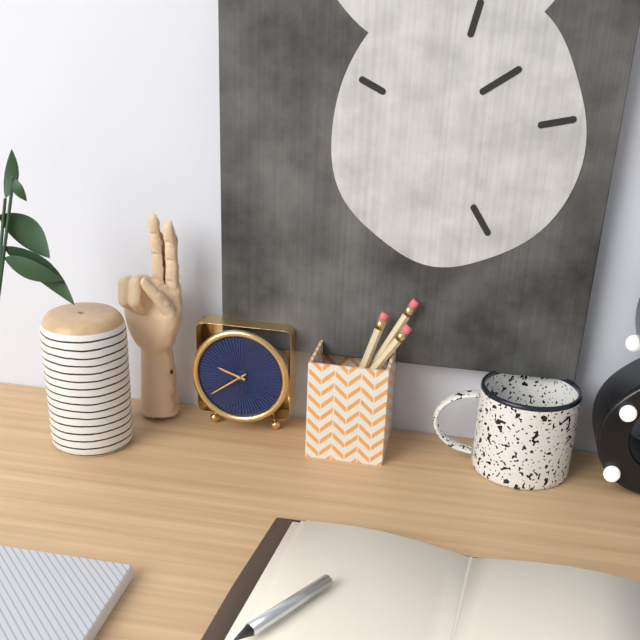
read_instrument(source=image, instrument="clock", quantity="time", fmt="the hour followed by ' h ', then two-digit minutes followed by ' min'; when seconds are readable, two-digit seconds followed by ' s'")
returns 9 h 39 min
